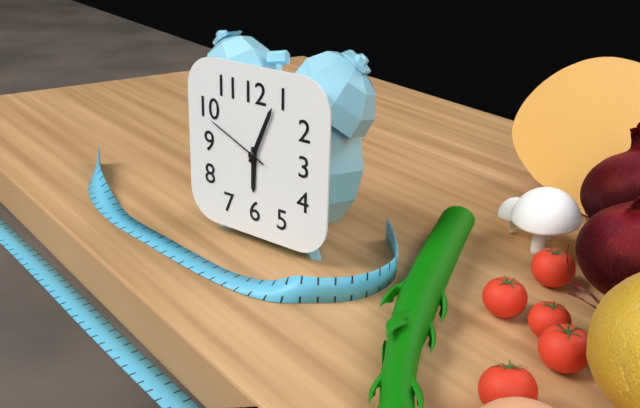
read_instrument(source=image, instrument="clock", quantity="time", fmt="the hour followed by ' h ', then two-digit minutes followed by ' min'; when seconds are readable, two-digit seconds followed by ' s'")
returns 6 h 04 min 49 s
